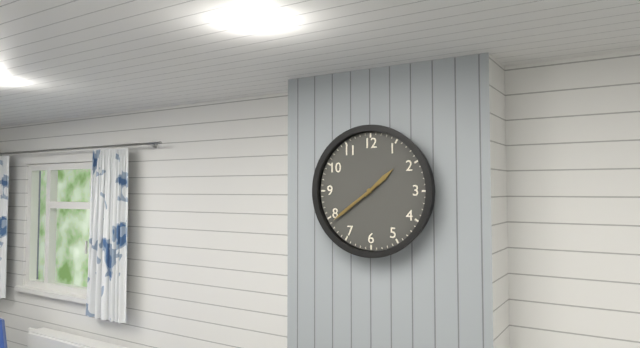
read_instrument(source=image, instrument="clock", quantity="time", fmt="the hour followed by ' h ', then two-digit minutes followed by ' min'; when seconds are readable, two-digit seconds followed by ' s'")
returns 1 h 39 min
